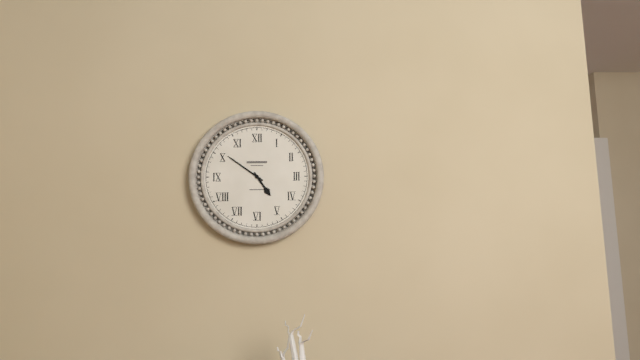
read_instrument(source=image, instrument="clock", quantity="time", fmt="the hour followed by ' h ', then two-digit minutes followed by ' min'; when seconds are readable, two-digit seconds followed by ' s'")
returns 4 h 51 min
